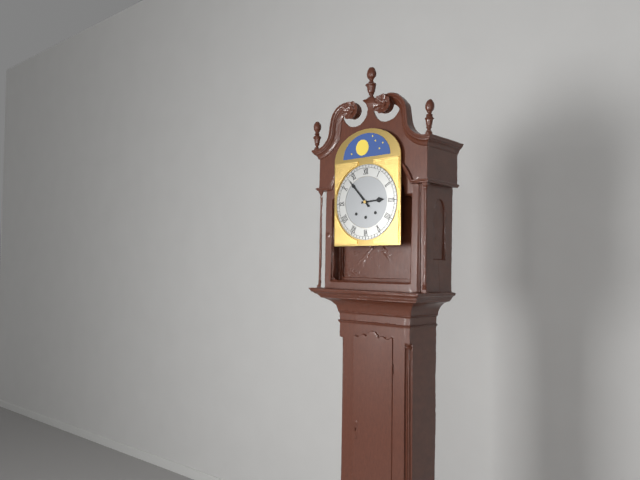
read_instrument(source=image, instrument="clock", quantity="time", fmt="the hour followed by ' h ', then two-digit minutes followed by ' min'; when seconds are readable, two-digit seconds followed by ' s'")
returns 2 h 53 min
